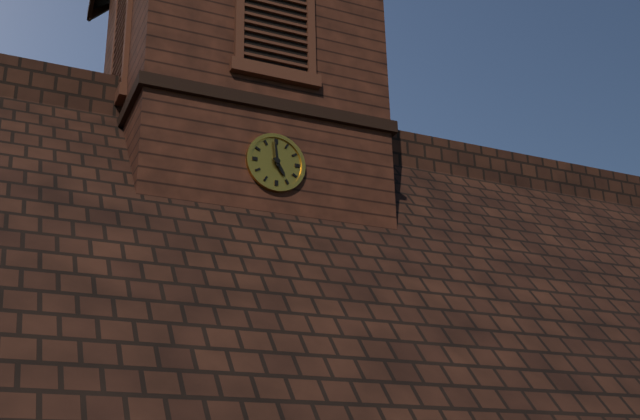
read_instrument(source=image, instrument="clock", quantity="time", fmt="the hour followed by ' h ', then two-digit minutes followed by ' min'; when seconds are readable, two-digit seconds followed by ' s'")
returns 4 h 59 min
